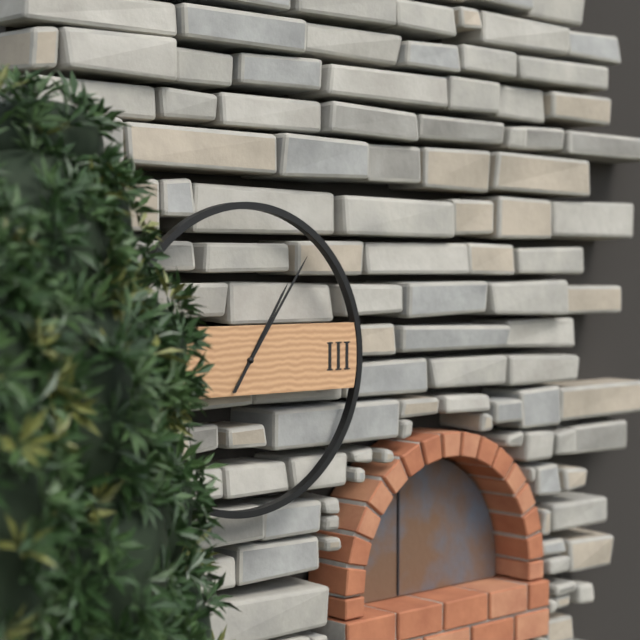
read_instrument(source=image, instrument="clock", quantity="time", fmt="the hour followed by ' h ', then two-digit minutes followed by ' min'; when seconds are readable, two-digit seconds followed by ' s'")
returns 1 h 06 min
